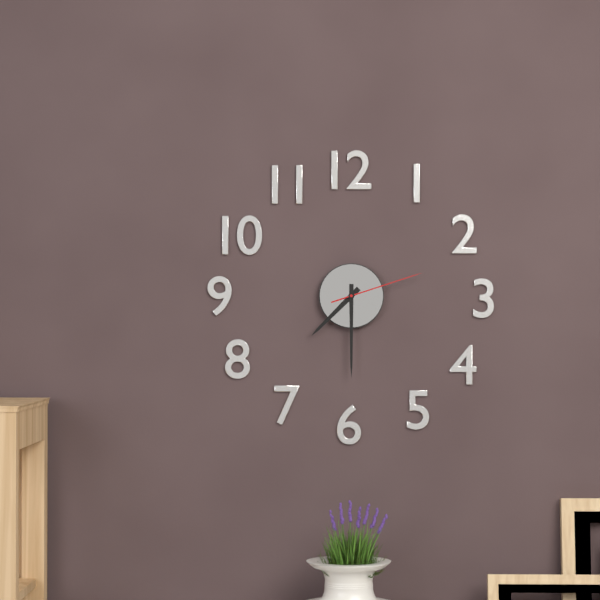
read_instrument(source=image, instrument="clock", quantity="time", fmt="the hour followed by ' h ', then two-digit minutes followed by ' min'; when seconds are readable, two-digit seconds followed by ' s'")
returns 7 h 30 min 12 s
